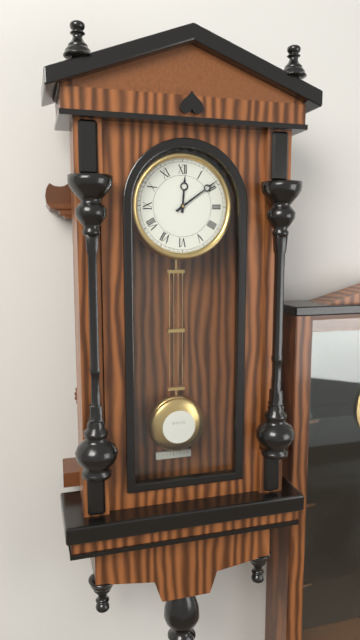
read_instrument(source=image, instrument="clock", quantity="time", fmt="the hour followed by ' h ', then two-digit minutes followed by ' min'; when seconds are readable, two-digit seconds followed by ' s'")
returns 12 h 09 min
